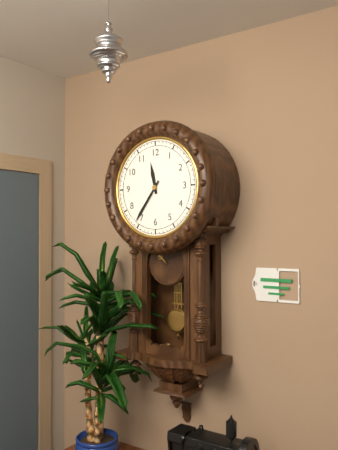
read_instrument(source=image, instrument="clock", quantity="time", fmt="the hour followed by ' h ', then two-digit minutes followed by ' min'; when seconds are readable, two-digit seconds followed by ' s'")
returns 11 h 36 min
